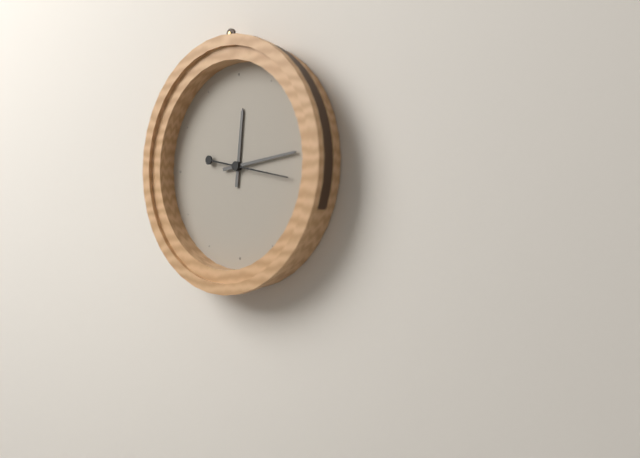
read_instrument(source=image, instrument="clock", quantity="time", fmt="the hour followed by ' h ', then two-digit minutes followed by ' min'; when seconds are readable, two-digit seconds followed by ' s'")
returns 12 h 14 min 17 s
